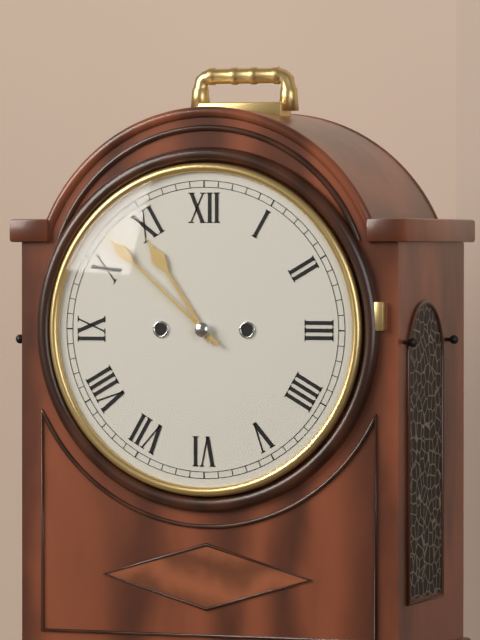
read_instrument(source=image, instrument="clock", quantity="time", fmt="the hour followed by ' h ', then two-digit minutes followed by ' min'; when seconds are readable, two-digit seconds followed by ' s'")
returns 10 h 52 min
